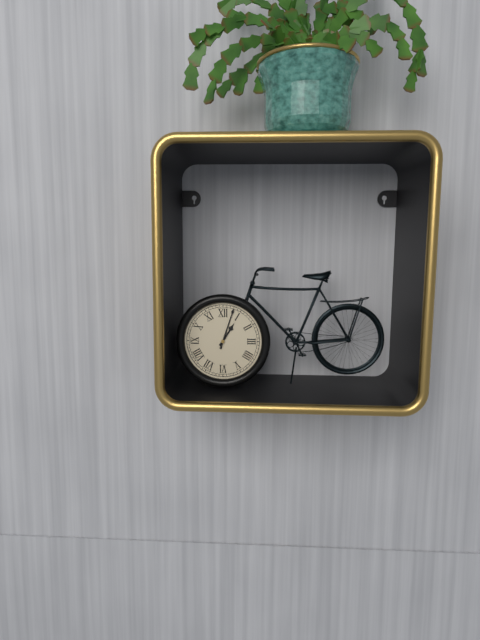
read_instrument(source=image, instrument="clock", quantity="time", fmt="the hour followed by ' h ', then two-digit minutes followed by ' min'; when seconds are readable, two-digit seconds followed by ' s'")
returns 1 h 03 min
